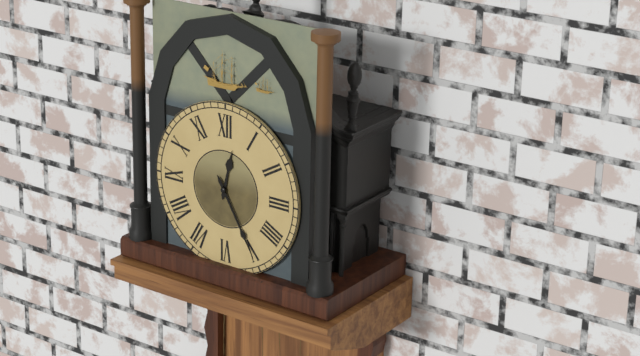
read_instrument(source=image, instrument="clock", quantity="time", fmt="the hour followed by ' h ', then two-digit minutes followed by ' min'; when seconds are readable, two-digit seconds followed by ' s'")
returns 12 h 25 min
